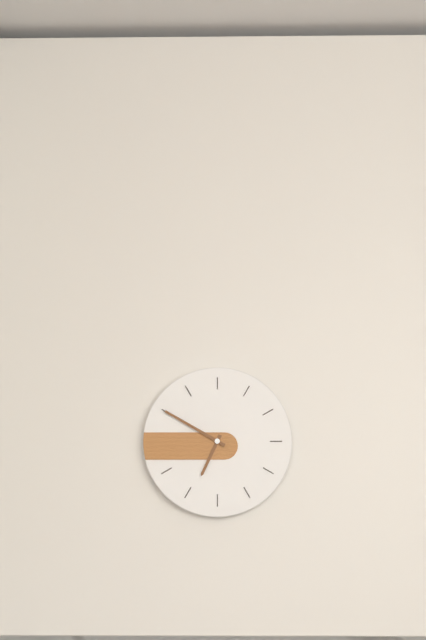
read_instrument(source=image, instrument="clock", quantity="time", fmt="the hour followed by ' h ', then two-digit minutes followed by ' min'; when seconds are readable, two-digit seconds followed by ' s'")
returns 6 h 50 min
